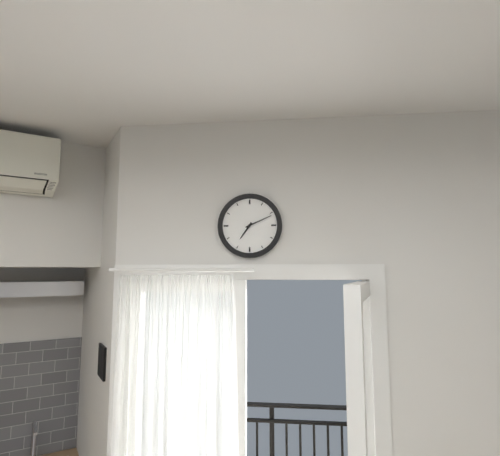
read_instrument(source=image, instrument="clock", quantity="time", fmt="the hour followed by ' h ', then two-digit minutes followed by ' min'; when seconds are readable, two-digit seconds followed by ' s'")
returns 7 h 11 min
